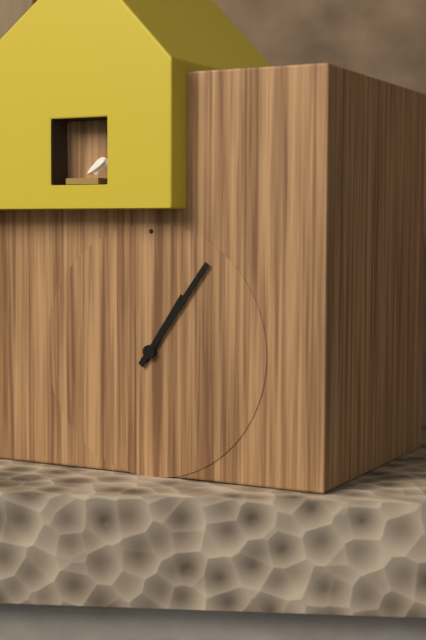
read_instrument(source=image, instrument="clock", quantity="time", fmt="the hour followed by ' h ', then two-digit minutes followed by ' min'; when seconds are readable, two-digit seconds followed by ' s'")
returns 1 h 06 min
